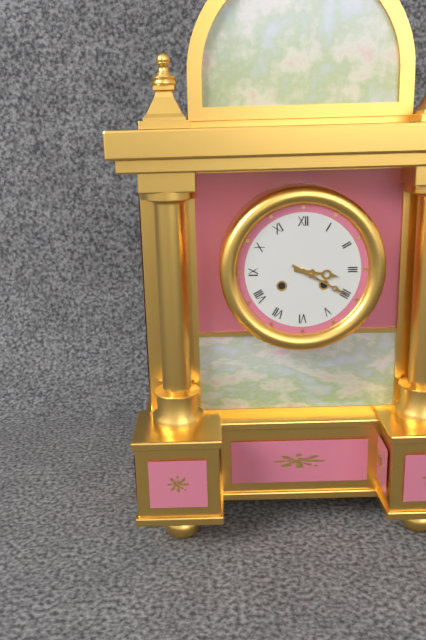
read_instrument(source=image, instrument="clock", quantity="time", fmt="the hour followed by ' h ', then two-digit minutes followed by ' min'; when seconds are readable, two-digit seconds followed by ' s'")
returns 3 h 20 min
